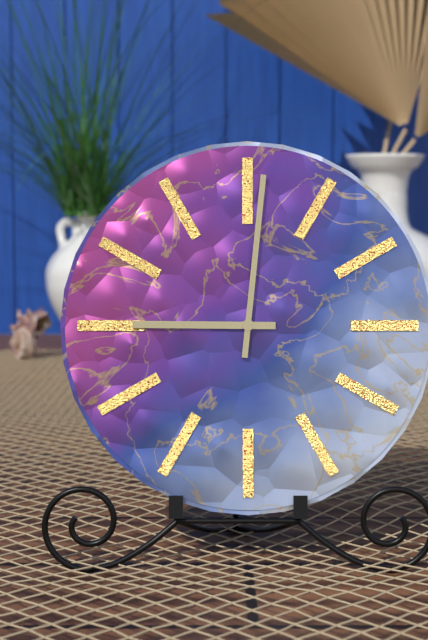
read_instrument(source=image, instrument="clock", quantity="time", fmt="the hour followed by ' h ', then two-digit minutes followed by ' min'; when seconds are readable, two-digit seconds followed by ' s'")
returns 9 h 01 min
